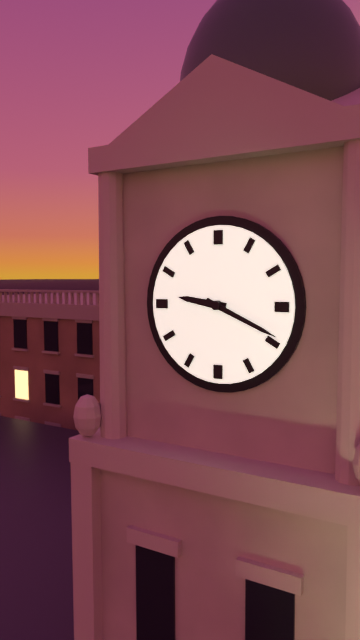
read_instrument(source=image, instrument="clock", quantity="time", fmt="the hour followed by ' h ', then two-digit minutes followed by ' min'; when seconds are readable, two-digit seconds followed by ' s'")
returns 9 h 19 min
